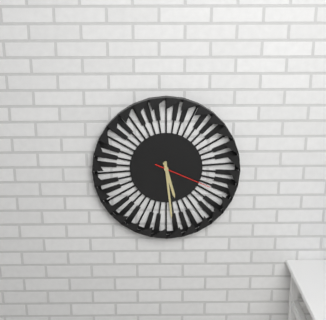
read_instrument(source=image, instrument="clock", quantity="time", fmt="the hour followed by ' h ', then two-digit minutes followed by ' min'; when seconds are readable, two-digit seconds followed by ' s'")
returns 5 h 29 min 19 s
